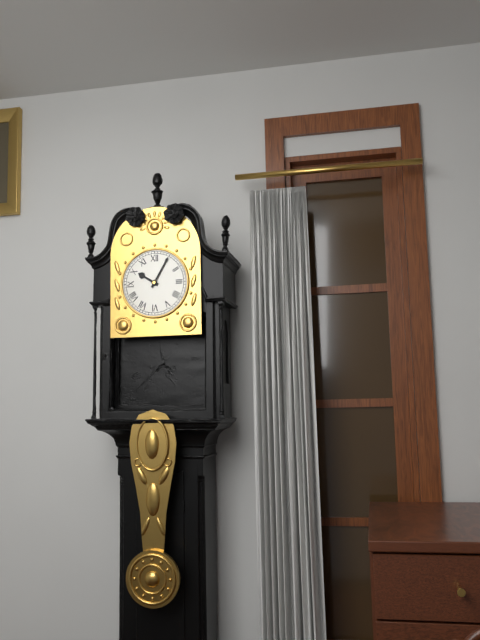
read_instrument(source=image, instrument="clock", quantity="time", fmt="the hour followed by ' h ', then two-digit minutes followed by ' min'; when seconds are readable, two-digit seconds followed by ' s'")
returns 10 h 05 min
